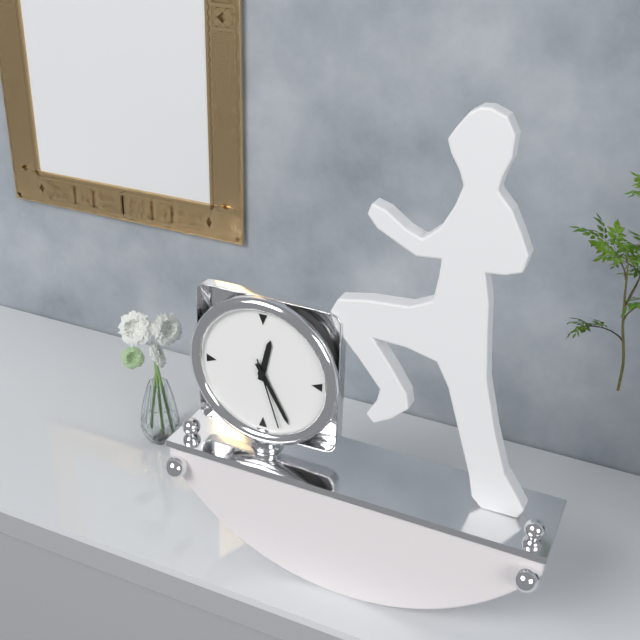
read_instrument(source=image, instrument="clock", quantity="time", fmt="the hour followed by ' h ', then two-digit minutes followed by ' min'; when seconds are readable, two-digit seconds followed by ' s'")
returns 12 h 25 min 27 s
